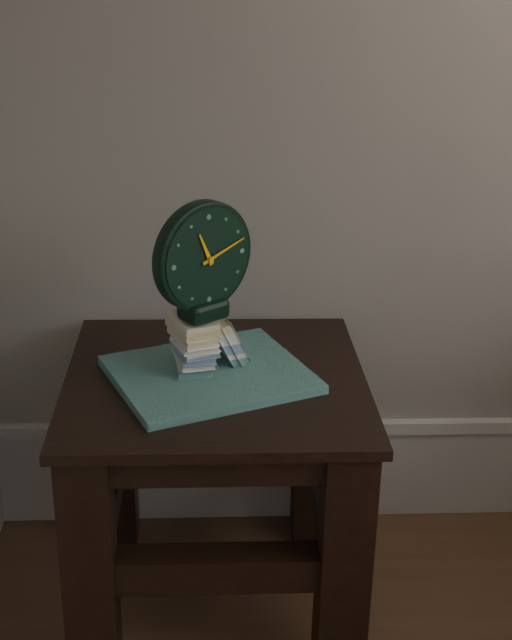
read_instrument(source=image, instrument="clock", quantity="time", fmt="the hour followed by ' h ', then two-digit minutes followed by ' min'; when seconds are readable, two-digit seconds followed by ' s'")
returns 11 h 12 min
